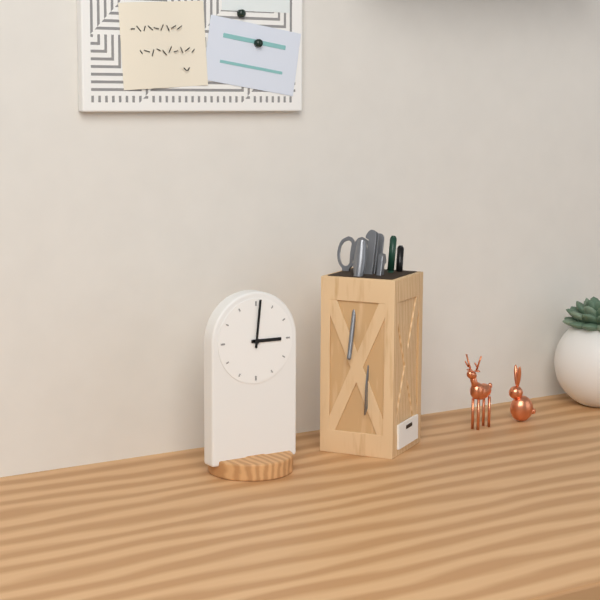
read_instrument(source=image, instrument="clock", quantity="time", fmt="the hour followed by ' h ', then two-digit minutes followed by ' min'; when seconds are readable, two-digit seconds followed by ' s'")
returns 3 h 01 min
